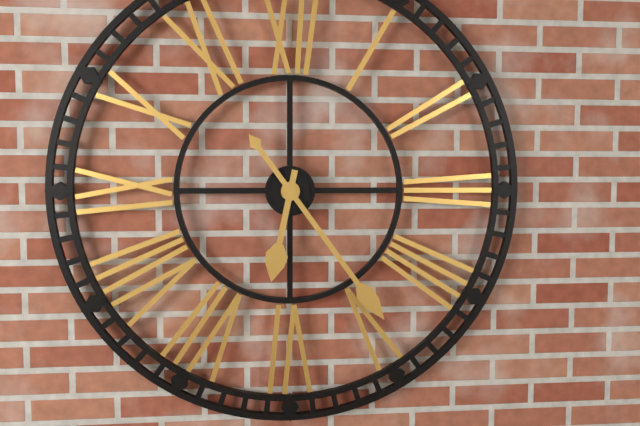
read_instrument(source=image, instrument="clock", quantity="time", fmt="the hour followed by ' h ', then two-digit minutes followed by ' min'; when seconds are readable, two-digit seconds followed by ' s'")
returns 6 h 24 min
